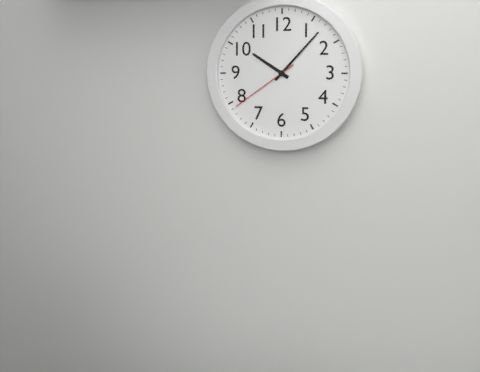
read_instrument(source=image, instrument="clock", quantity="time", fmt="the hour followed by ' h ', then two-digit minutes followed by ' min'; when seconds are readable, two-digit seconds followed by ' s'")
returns 10 h 07 min 39 s
